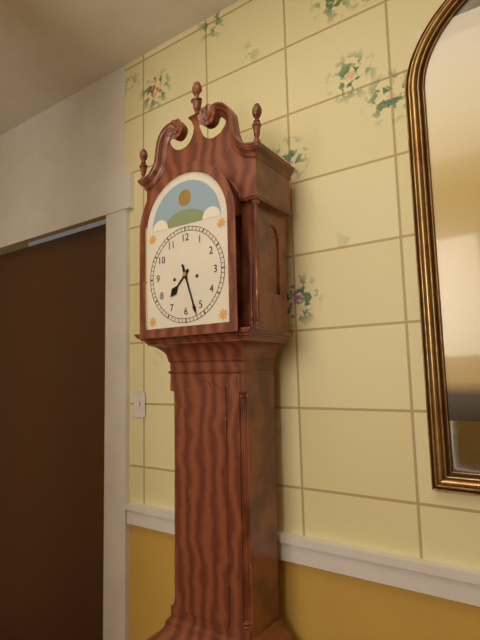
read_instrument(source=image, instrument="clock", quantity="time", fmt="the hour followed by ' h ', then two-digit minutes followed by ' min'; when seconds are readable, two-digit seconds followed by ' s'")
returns 7 h 27 min
